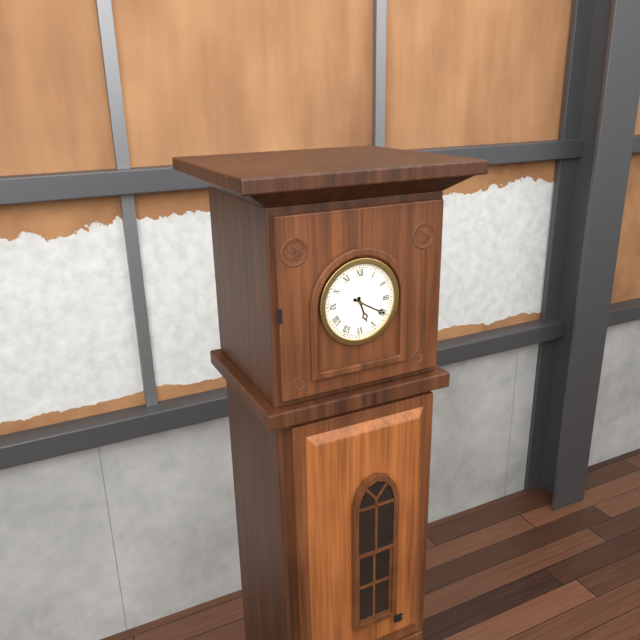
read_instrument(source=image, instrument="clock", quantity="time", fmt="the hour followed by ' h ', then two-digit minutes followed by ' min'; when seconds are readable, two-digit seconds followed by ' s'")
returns 5 h 20 min
